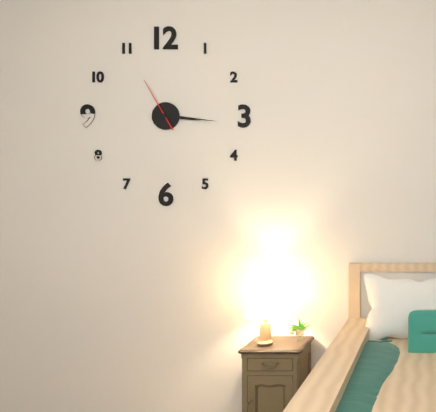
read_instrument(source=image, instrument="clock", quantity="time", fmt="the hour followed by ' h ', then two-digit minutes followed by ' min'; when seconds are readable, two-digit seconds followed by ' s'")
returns 3 h 16 min 55 s
